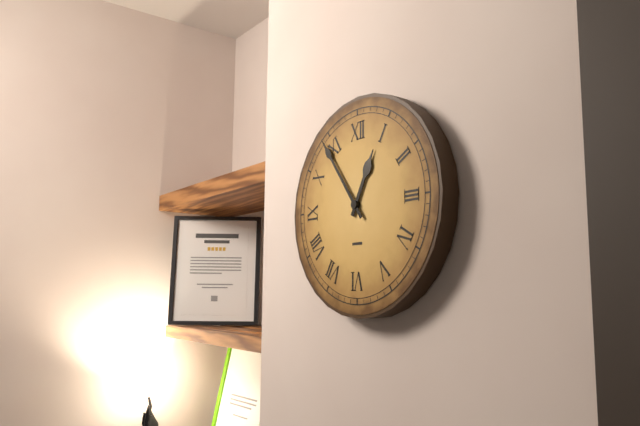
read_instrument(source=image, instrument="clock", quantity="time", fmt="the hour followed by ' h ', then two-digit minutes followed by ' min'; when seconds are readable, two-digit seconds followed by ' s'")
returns 12 h 54 min
